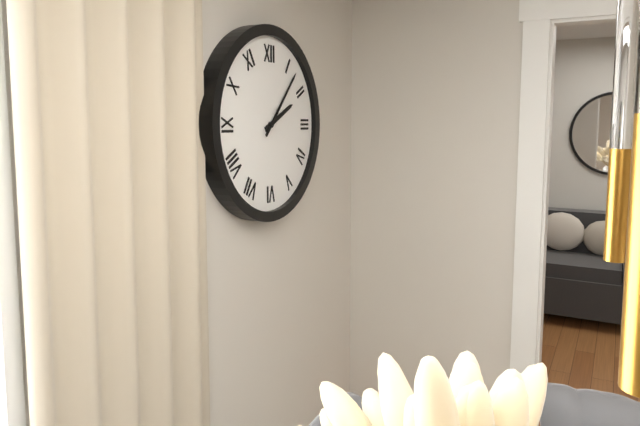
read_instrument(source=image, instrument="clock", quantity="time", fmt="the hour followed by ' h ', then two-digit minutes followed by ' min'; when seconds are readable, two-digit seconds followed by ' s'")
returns 2 h 07 min
